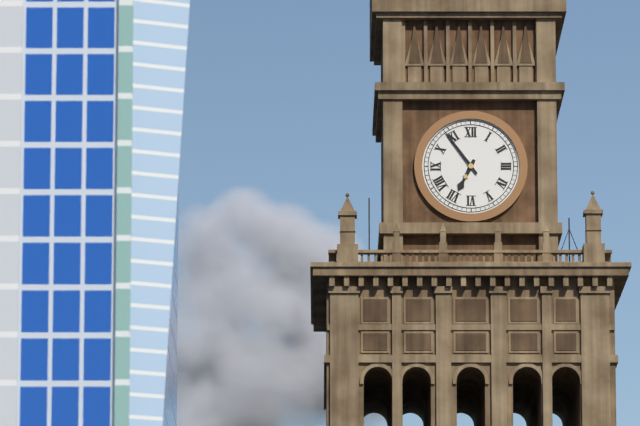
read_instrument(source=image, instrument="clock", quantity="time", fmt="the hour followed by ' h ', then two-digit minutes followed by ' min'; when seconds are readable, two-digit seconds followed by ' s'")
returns 6 h 54 min
